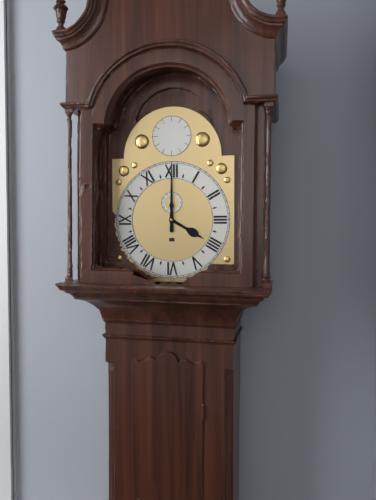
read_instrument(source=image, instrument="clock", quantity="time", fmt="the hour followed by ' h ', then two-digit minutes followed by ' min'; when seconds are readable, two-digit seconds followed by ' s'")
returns 4 h 00 min
